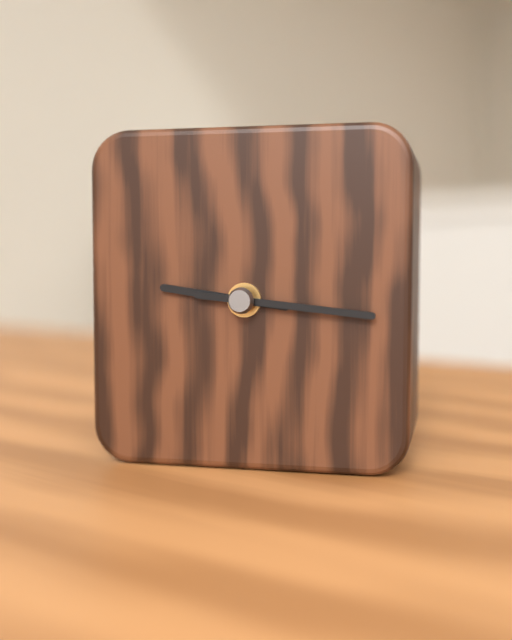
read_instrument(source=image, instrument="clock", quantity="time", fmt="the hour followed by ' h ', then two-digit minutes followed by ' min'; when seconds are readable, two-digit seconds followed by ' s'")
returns 9 h 16 min
